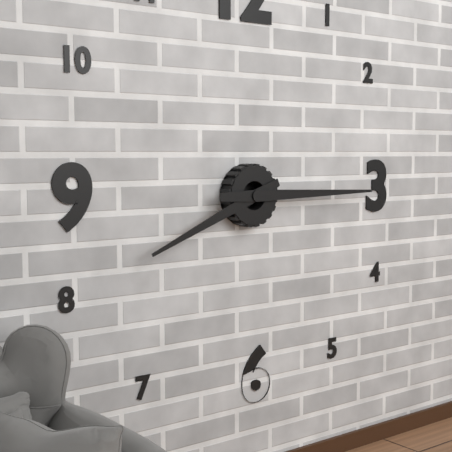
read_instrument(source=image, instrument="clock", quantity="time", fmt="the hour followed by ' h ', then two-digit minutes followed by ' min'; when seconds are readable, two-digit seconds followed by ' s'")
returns 8 h 15 min
